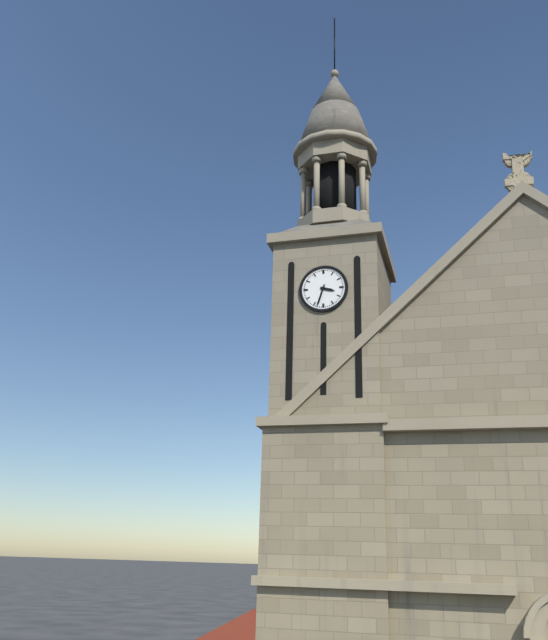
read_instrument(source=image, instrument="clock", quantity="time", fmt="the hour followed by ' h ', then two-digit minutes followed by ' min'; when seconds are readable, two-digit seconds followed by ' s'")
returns 3 h 33 min
